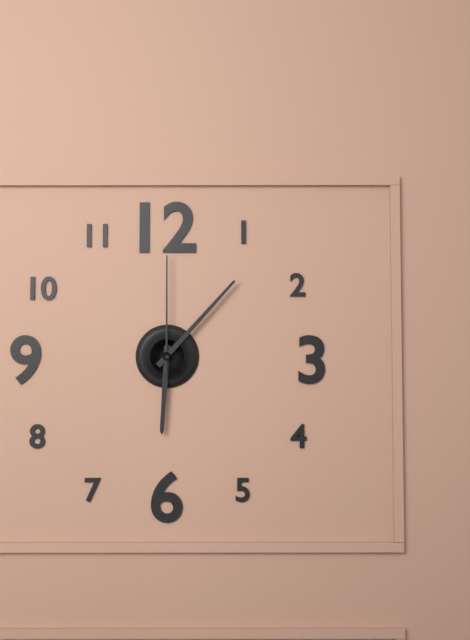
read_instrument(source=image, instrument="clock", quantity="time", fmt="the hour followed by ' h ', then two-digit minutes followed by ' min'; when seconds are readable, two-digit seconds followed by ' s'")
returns 6 h 07 min 00 s
